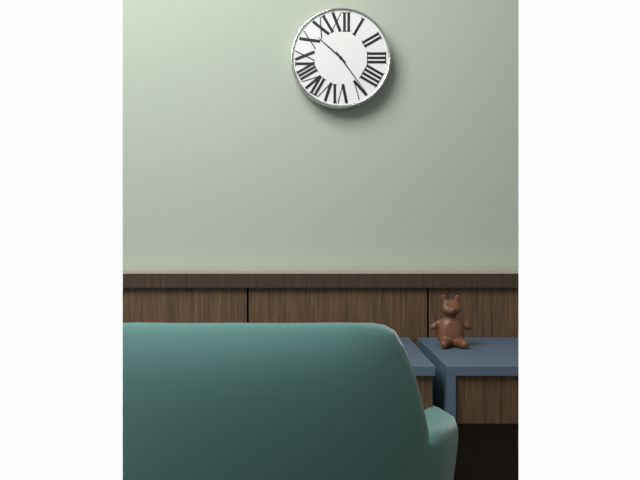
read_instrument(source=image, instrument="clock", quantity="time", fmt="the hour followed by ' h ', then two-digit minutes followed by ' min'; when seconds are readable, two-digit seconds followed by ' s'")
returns 10 h 24 min
